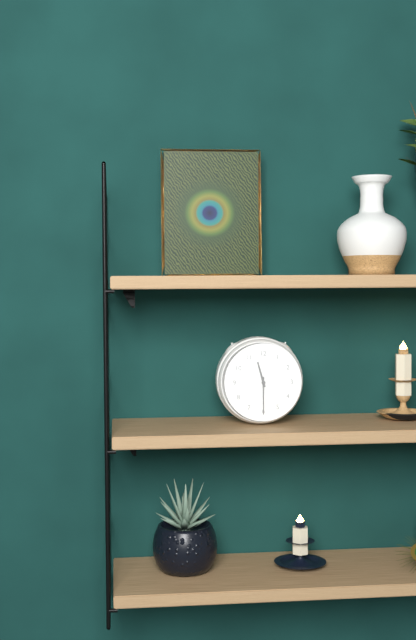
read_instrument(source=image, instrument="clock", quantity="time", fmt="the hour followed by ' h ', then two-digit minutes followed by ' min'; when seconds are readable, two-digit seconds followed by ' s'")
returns 11 h 30 min
